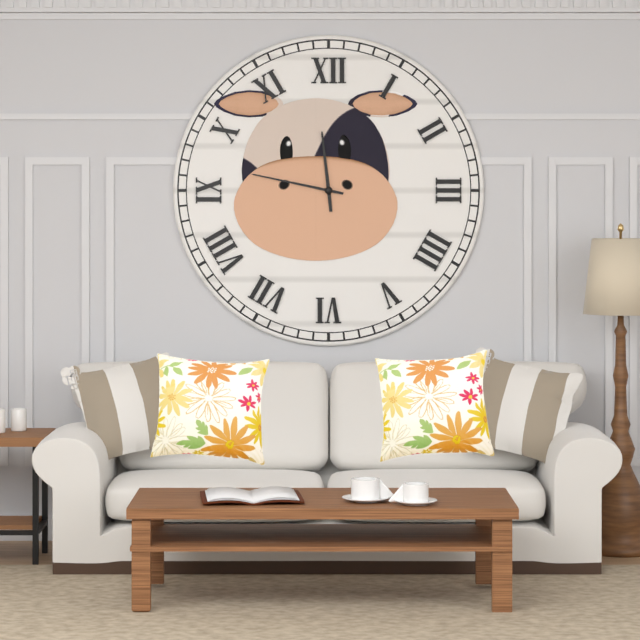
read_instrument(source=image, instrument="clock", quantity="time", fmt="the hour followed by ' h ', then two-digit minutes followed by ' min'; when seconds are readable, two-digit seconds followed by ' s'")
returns 11 h 47 min
